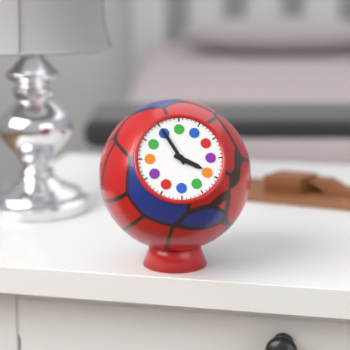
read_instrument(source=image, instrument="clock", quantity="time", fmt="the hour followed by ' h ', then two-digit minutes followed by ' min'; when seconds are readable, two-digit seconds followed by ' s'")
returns 3 h 55 min
